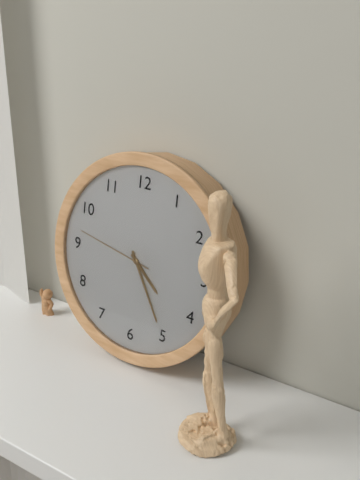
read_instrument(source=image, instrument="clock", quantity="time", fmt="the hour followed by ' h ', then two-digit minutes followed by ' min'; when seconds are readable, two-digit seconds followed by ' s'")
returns 4 h 25 min 47 s
